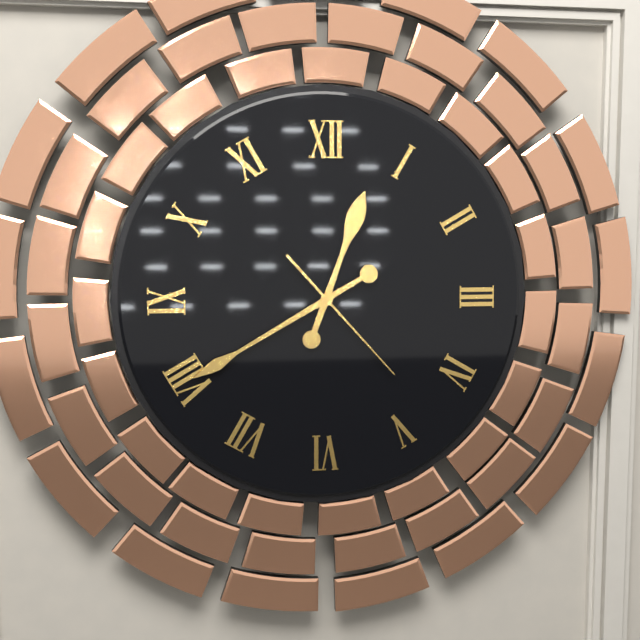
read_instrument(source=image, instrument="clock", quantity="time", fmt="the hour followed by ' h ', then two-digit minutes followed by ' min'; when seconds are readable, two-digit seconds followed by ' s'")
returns 12 h 40 min 23 s
